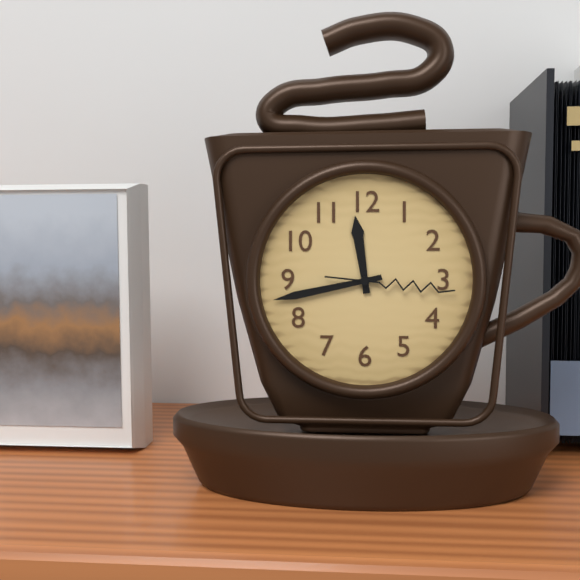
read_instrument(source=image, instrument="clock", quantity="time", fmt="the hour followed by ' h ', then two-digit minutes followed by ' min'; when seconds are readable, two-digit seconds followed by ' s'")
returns 11 h 43 min 16 s
